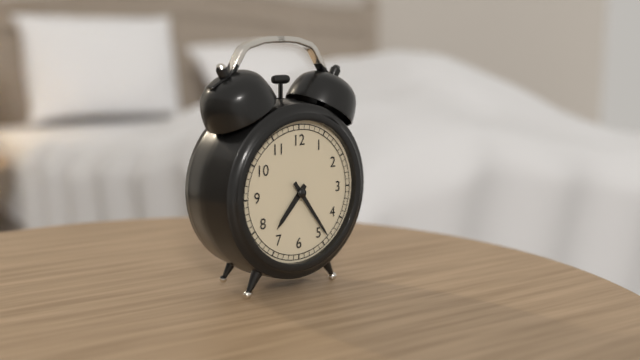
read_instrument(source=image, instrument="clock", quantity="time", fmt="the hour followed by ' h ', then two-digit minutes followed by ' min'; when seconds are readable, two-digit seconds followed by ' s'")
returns 7 h 24 min
